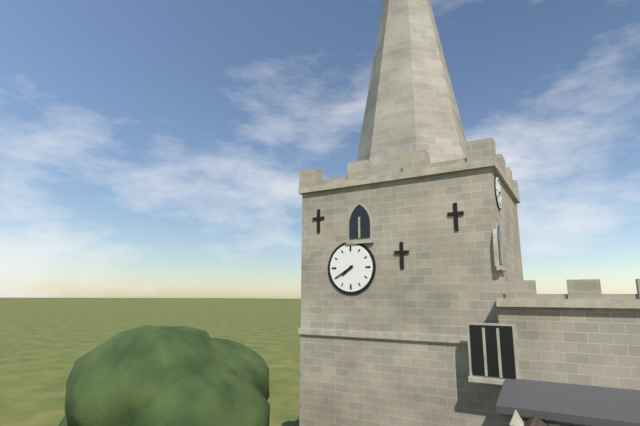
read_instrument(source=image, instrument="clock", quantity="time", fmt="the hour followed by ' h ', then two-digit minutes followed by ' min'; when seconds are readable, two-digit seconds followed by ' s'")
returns 7 h 40 min
